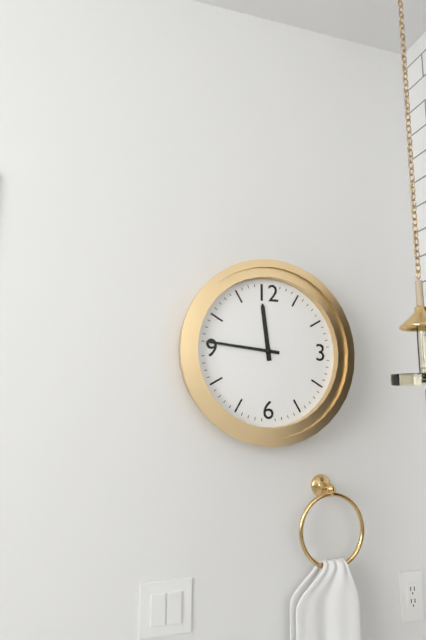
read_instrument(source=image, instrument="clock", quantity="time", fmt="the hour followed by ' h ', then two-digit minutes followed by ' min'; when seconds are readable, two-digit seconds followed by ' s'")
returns 11 h 46 min
